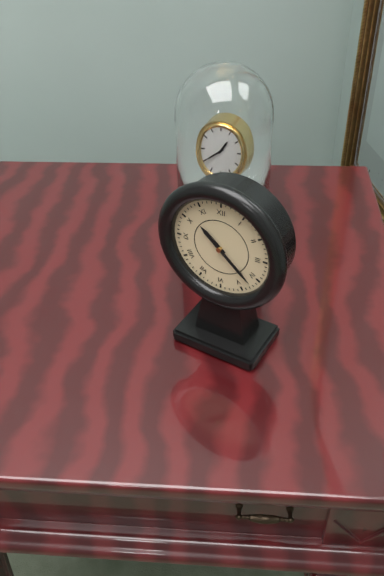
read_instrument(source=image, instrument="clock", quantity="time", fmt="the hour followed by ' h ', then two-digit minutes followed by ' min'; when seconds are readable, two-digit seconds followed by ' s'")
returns 10 h 22 min
